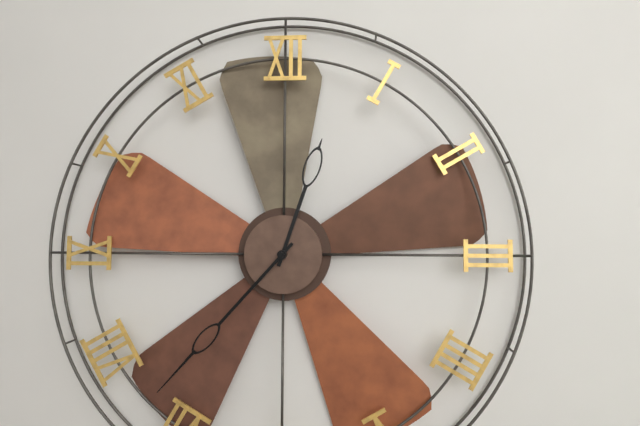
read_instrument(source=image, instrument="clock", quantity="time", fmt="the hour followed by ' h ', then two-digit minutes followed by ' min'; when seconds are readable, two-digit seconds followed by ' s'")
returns 12 h 37 min
